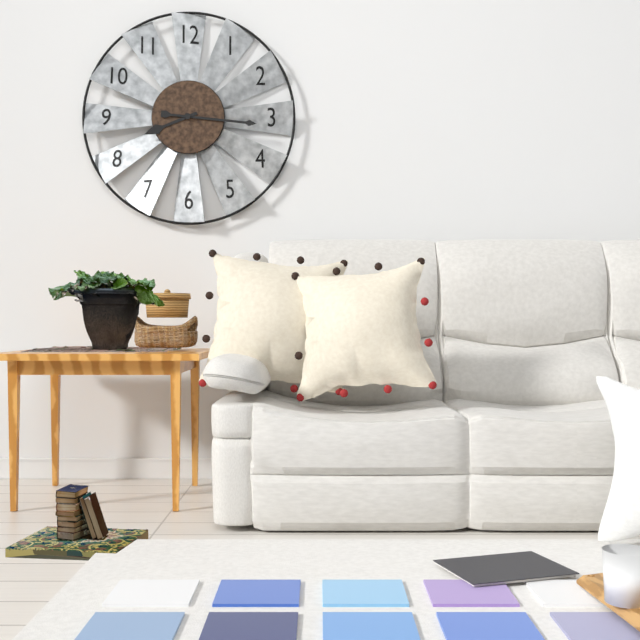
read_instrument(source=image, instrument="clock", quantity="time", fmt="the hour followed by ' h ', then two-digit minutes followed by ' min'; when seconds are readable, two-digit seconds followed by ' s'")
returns 8 h 16 min
